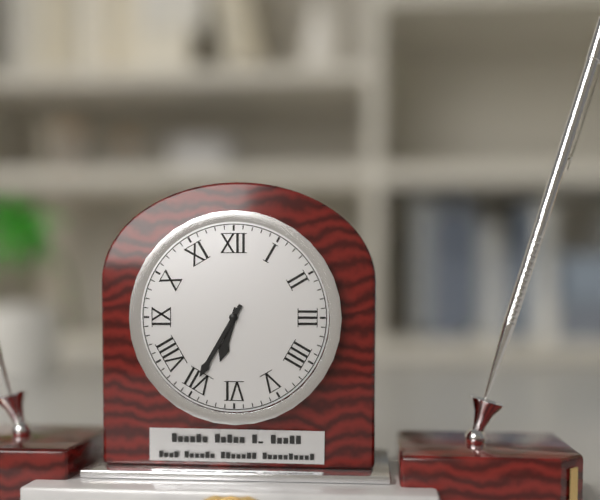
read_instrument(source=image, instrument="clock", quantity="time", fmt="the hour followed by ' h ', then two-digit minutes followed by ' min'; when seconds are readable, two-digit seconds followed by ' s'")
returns 6 h 35 min
